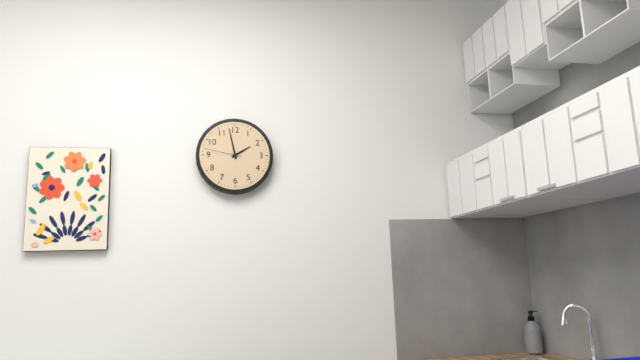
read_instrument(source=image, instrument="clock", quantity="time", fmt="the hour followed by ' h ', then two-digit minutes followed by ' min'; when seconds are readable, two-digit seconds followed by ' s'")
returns 1 h 58 min
